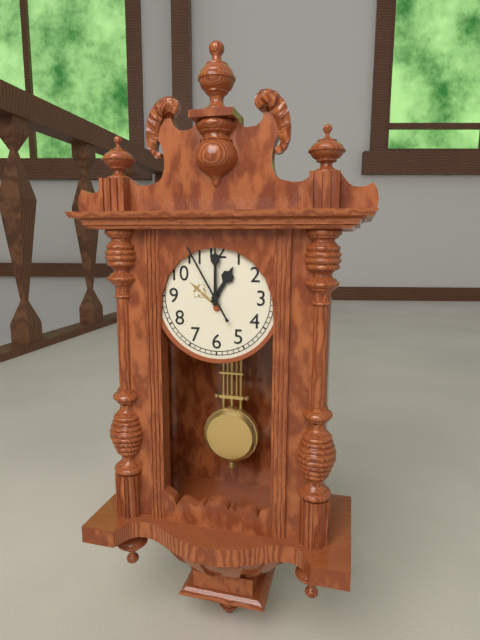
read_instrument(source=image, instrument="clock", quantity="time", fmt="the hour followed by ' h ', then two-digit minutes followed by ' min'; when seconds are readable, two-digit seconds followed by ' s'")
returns 1 h 00 min 55 s
